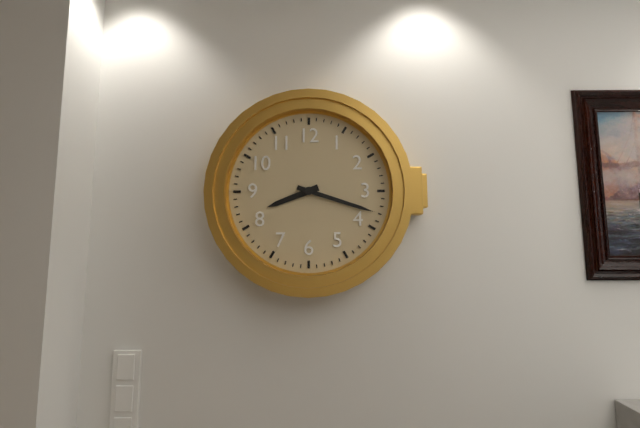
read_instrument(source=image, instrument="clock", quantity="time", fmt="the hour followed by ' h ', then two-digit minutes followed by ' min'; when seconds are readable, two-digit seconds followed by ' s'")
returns 8 h 18 min
